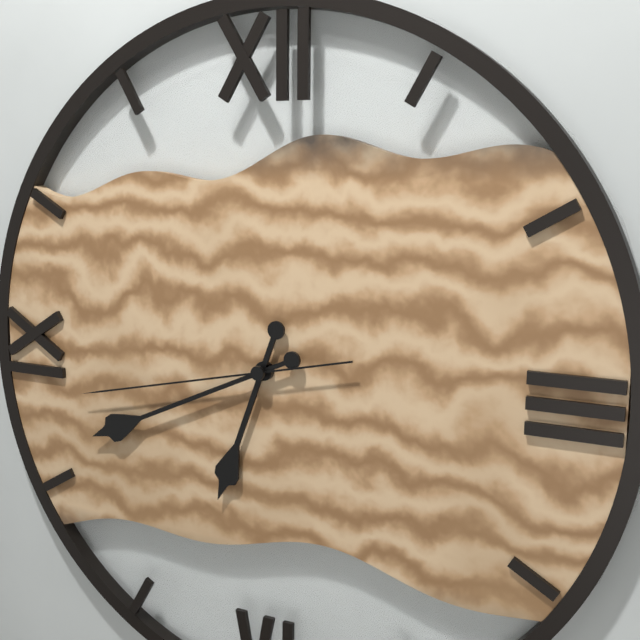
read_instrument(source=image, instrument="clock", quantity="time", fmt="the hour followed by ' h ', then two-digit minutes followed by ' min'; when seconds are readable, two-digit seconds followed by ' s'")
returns 6 h 41 min 43 s
